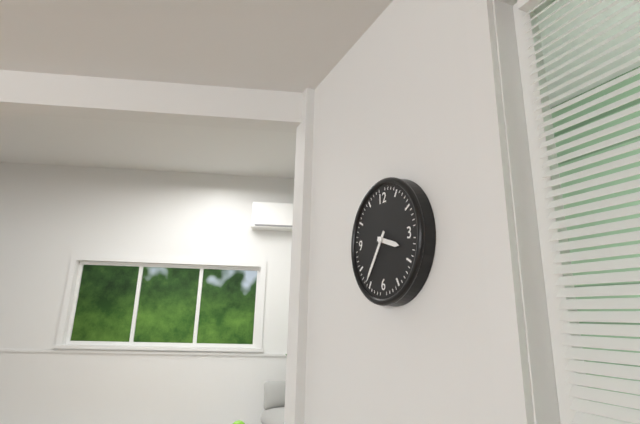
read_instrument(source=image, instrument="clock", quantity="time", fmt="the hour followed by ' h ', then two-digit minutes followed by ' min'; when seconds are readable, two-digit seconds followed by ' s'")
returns 3 h 36 min
